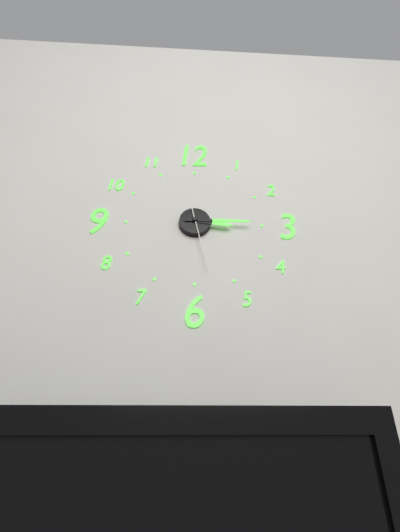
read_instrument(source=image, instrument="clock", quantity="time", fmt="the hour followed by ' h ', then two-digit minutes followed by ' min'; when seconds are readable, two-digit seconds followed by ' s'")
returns 3 h 15 min 28 s
